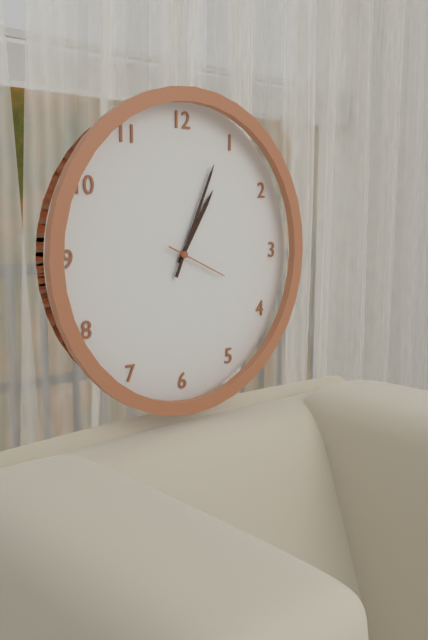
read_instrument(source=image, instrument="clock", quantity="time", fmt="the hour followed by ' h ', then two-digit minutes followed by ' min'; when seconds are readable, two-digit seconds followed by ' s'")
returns 1 h 04 min 19 s
